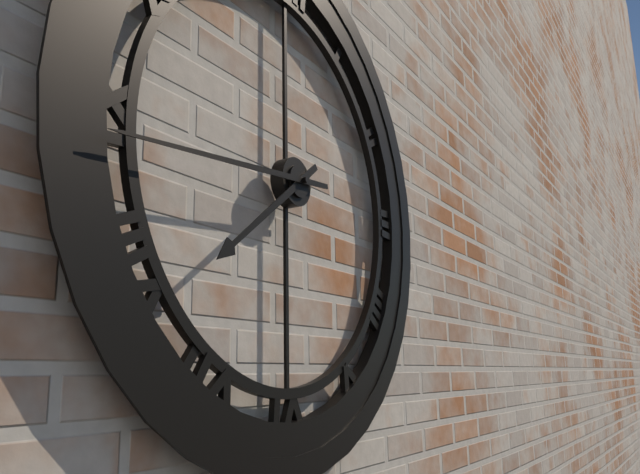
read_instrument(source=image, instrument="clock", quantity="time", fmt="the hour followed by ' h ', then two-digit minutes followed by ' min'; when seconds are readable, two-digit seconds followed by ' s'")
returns 7 h 44 min
